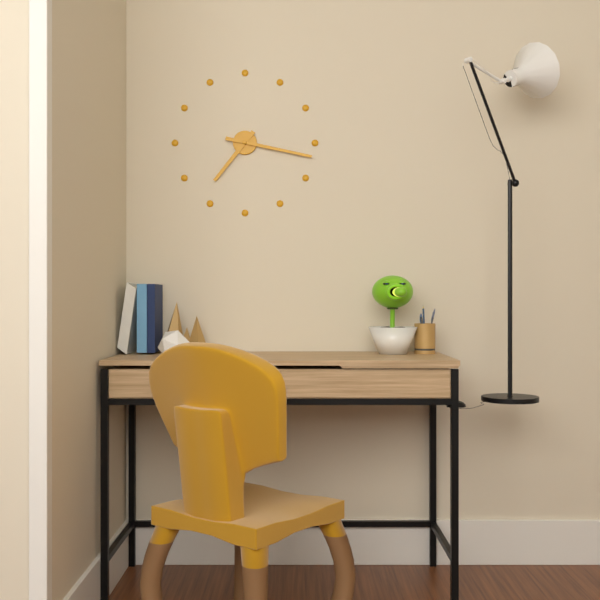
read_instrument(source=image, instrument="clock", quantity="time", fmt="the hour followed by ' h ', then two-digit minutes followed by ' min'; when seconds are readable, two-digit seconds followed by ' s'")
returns 7 h 17 min
